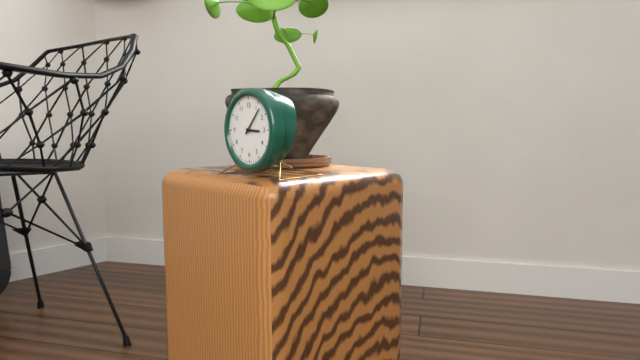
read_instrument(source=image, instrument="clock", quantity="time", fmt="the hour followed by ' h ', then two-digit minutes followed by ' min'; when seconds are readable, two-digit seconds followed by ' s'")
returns 3 h 07 min
